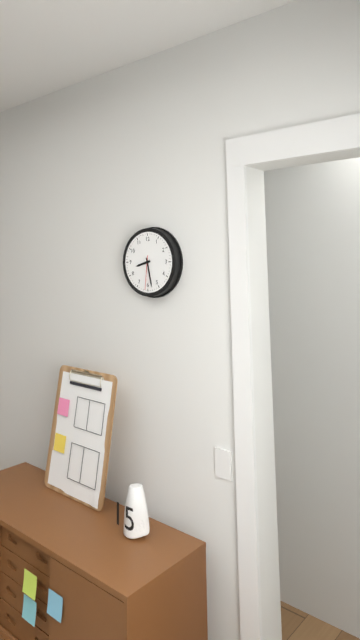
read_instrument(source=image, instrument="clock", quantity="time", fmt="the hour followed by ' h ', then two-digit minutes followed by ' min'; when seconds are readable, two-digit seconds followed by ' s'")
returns 8 h 28 min
